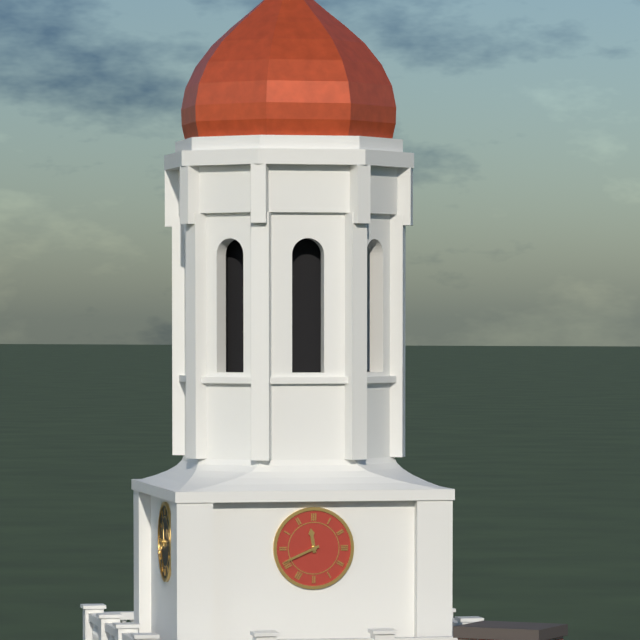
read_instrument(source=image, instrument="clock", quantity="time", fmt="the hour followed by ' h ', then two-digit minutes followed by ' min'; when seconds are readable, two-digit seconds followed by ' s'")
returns 11 h 41 min
